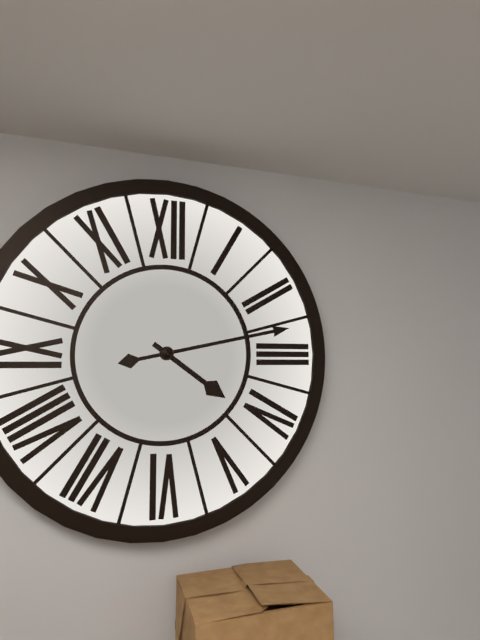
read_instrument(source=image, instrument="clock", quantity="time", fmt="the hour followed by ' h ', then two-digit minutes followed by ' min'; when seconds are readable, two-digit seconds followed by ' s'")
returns 4 h 13 min
